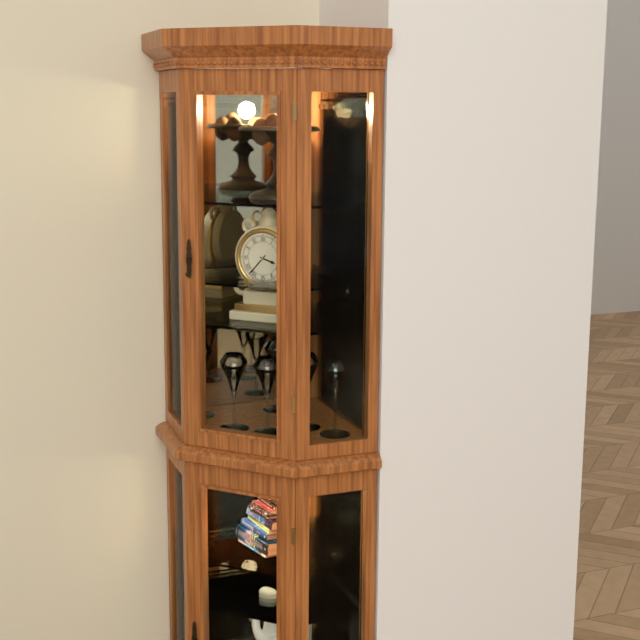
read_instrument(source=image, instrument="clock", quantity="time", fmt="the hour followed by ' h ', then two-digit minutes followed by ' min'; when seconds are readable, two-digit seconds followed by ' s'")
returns 3 h 37 min
